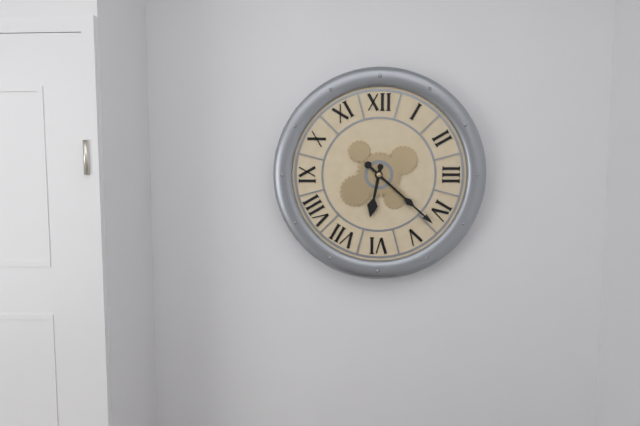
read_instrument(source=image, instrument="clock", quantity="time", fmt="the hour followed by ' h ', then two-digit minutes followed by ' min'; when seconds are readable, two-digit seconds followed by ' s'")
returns 6 h 22 min
